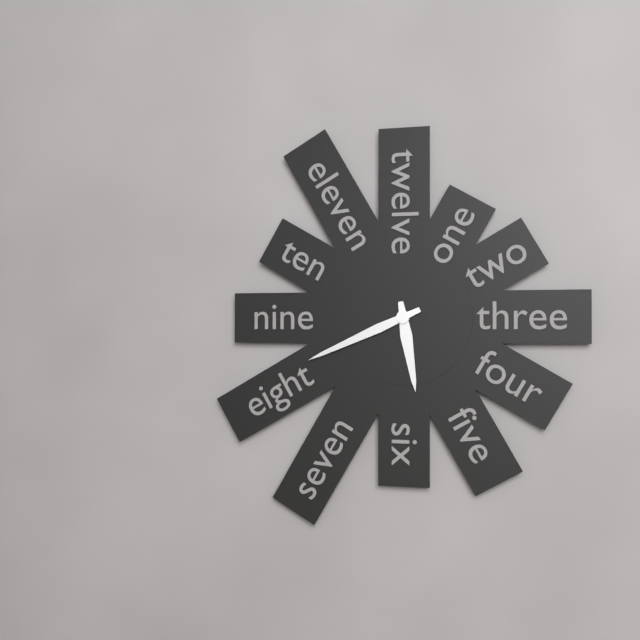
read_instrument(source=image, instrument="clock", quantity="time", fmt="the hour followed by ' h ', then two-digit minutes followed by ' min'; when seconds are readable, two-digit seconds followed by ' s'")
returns 5 h 41 min
